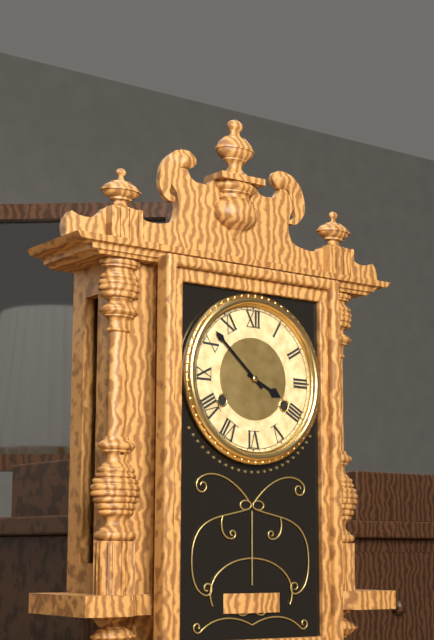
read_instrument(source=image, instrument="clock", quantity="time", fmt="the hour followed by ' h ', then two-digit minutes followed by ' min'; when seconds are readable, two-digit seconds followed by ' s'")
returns 3 h 52 min
